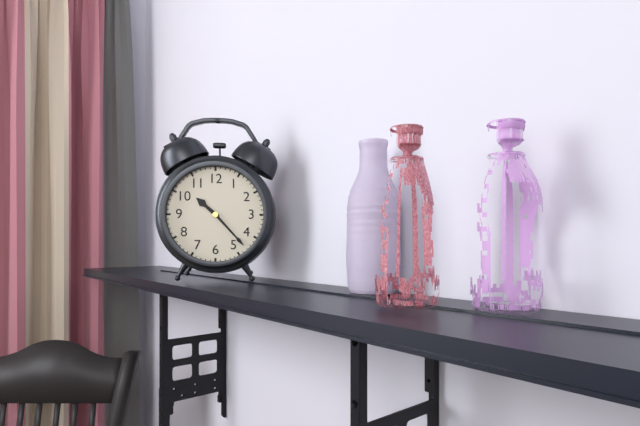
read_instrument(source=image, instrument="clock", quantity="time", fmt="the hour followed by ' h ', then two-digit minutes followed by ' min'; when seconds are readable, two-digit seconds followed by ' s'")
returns 10 h 23 min
